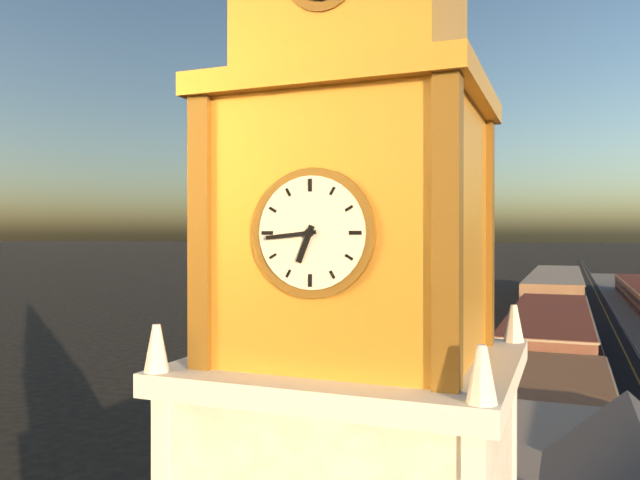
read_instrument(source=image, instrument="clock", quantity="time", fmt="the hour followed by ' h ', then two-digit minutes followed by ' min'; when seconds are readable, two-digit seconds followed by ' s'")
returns 6 h 44 min
